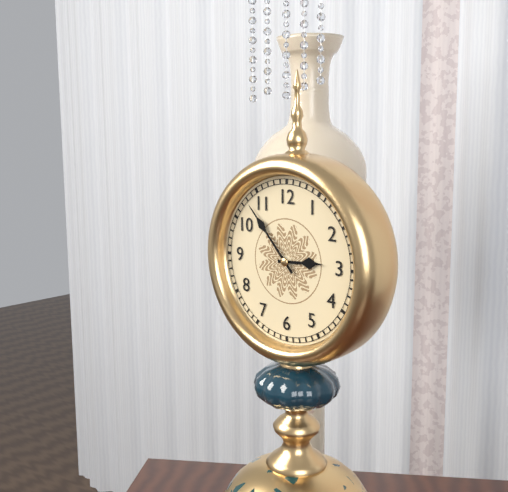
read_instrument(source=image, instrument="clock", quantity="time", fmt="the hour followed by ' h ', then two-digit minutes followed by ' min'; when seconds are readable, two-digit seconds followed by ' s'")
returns 2 h 53 min
